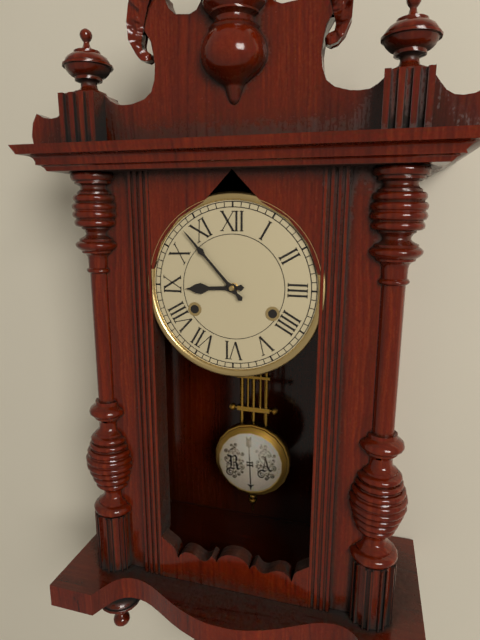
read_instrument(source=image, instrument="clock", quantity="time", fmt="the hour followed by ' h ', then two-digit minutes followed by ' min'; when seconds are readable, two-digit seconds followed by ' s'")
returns 8 h 53 min
